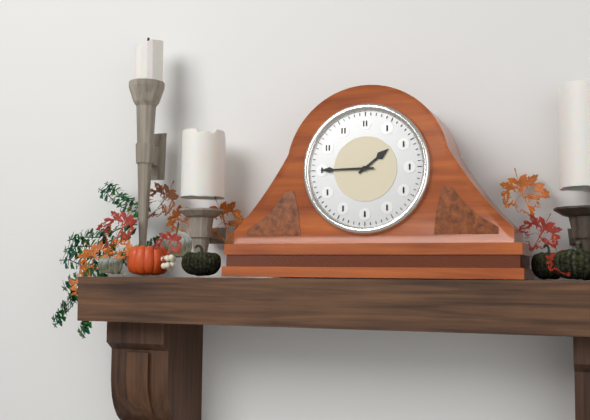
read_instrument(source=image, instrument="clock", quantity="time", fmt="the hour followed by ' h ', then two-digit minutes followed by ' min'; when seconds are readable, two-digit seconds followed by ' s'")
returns 1 h 45 min
